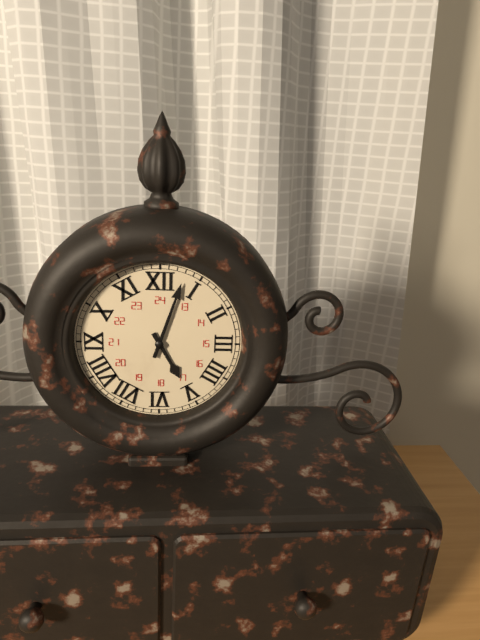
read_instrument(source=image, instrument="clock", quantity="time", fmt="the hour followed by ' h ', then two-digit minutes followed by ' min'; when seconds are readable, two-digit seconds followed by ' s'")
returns 5 h 03 min
